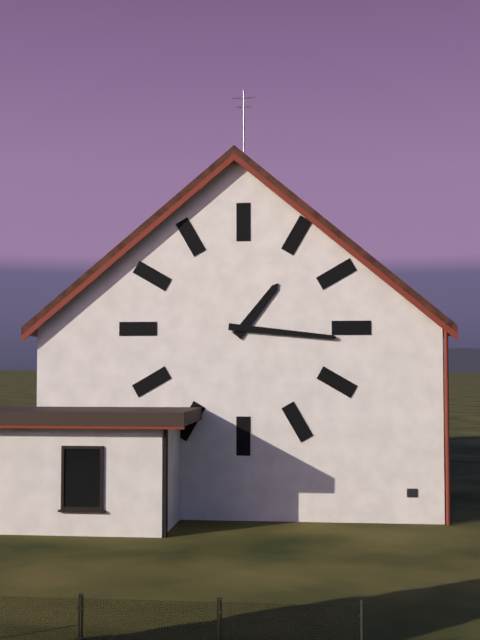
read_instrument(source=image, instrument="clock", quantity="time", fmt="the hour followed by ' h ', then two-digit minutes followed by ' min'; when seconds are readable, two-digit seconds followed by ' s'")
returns 1 h 16 min
